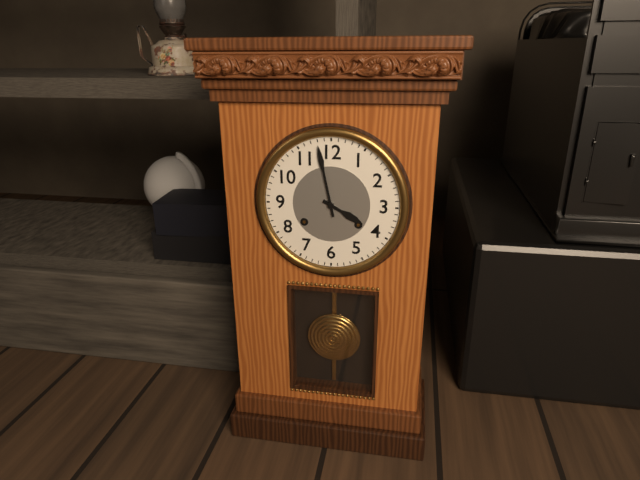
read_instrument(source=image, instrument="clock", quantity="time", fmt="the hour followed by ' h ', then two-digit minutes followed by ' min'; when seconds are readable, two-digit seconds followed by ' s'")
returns 3 h 58 min
